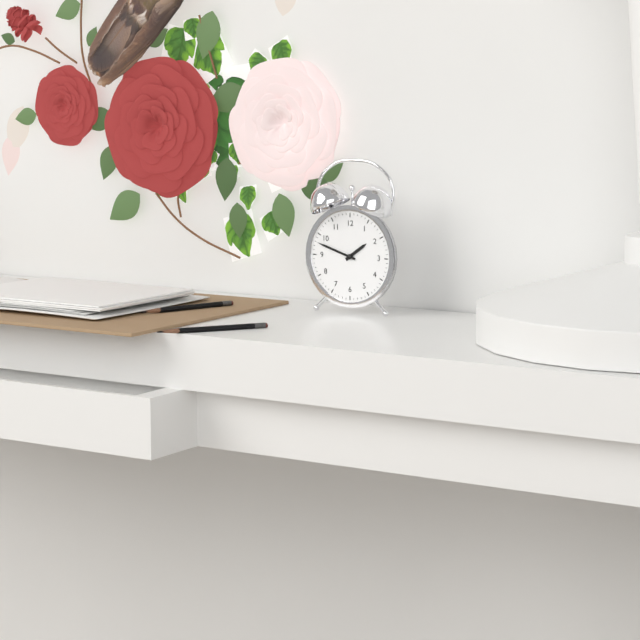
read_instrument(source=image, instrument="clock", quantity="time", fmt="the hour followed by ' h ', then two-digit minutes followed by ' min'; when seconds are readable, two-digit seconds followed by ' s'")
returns 1 h 48 min
